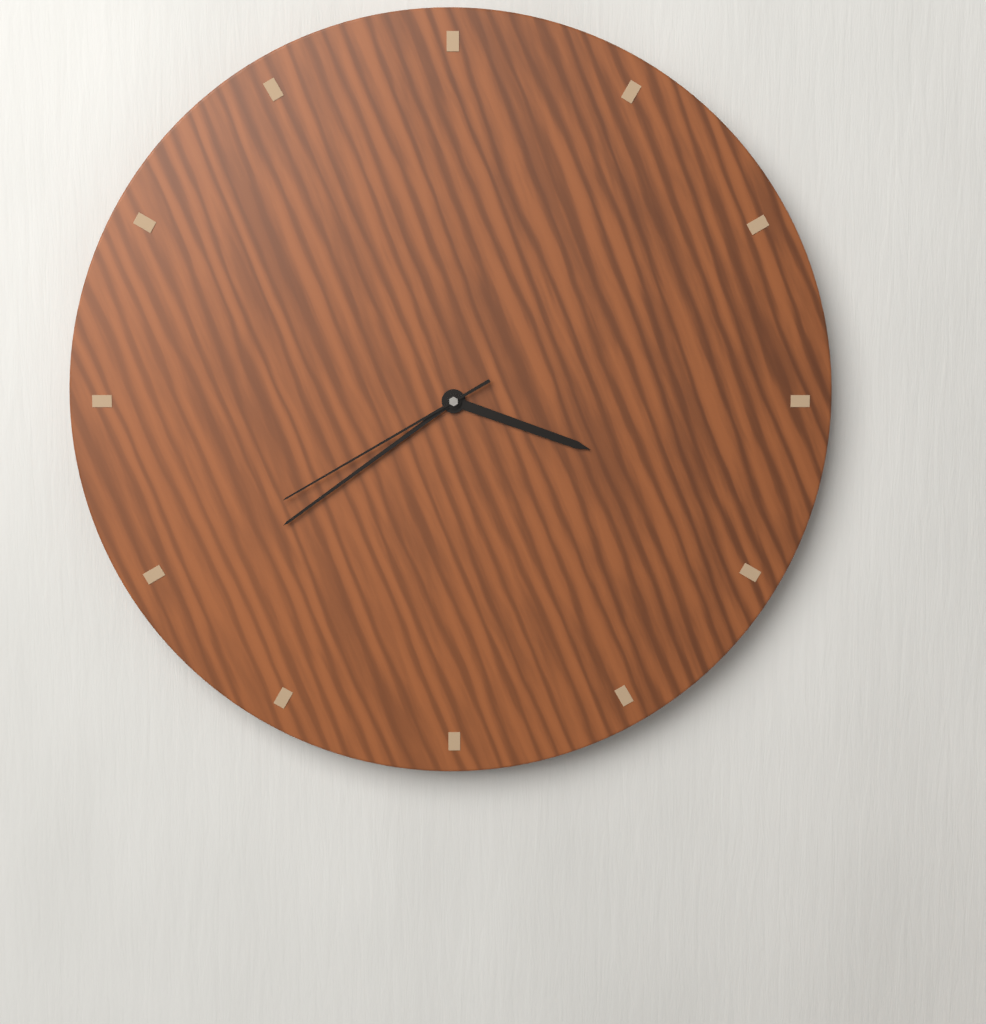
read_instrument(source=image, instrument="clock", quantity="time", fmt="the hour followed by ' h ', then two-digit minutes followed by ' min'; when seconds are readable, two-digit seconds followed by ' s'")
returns 3 h 39 min 40 s
